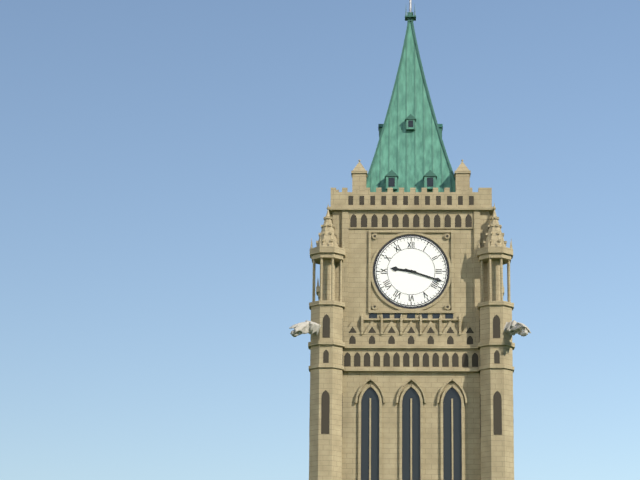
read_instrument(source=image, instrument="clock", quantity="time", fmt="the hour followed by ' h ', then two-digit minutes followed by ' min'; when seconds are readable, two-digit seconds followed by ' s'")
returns 9 h 18 min
